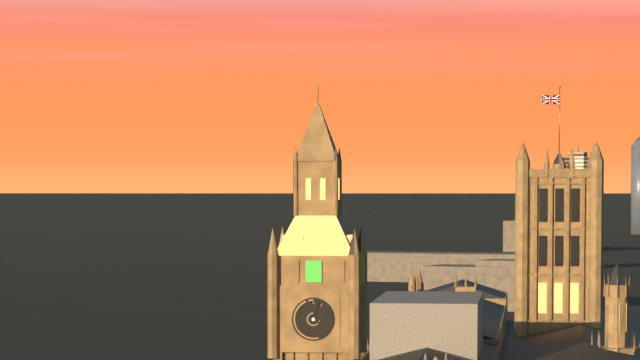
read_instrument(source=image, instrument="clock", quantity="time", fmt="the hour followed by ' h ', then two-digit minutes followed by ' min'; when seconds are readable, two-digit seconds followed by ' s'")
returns 4 h 03 min
